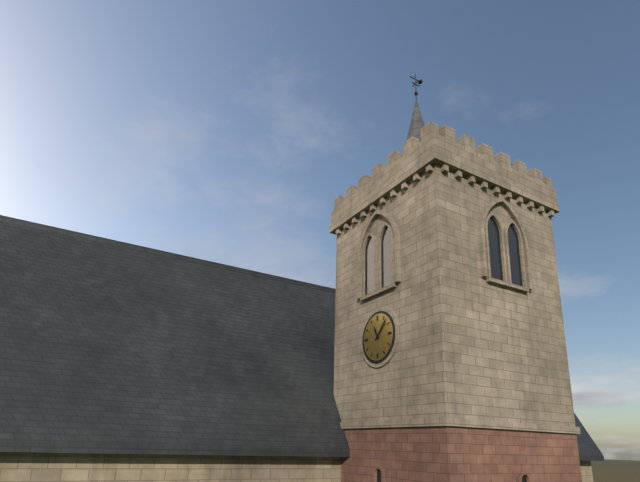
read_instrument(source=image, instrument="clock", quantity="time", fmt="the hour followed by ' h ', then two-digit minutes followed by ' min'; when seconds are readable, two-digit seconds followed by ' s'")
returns 11 h 07 min
